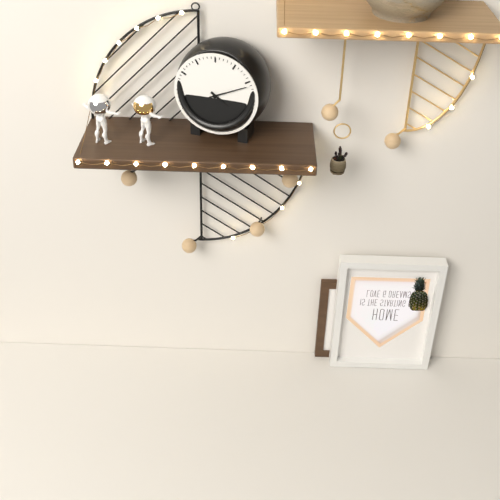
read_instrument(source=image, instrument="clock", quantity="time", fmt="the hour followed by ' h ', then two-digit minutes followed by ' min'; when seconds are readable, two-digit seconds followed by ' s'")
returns 4 h 11 min
